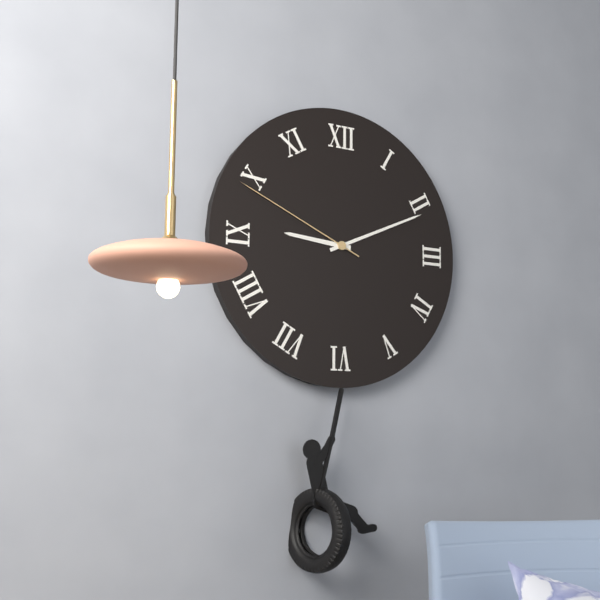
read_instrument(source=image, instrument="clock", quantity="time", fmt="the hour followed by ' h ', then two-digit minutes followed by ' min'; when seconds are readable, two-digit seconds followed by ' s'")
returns 9 h 11 min 49 s
